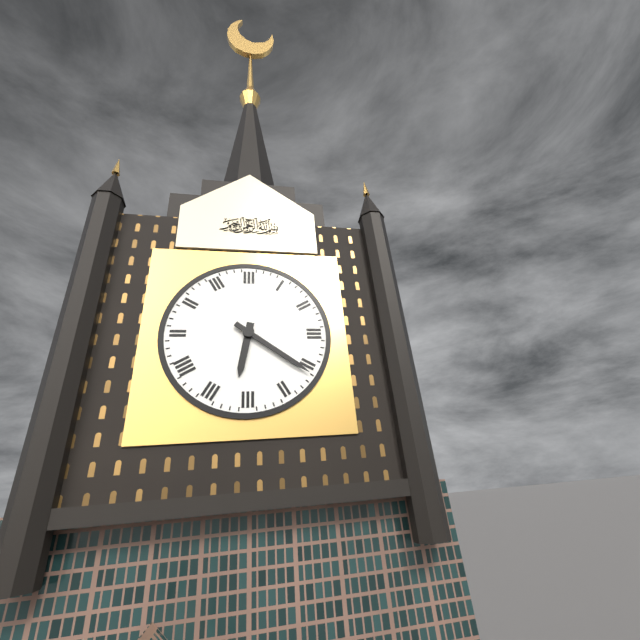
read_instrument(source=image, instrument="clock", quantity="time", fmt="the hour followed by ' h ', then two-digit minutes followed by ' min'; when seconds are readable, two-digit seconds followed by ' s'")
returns 6 h 21 min
